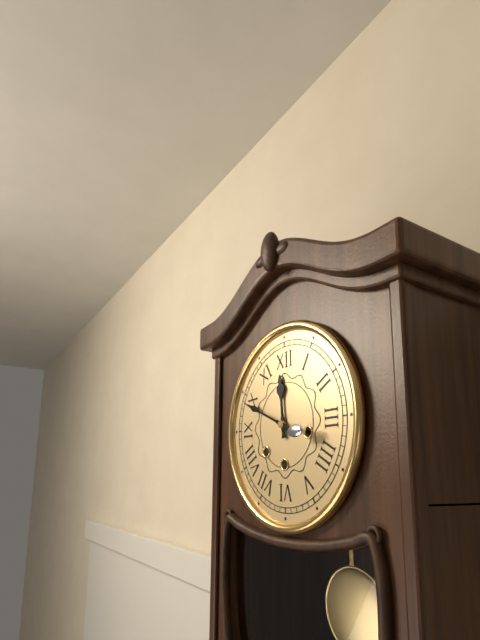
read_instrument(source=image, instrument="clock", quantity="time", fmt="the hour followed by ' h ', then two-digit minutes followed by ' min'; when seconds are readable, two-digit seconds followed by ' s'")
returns 11 h 49 min
